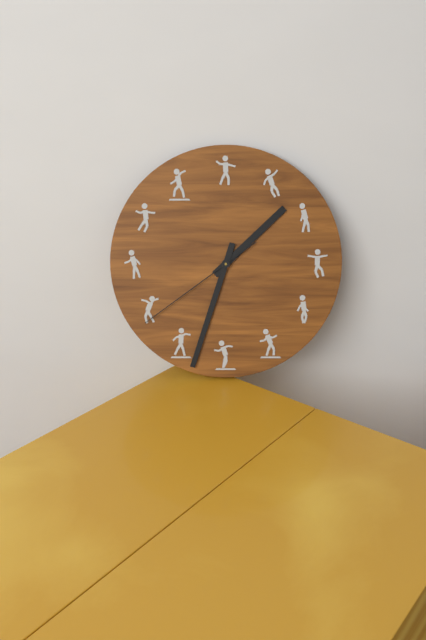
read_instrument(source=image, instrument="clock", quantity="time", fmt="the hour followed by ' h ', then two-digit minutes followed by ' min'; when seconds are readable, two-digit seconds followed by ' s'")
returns 1 h 33 min 39 s
